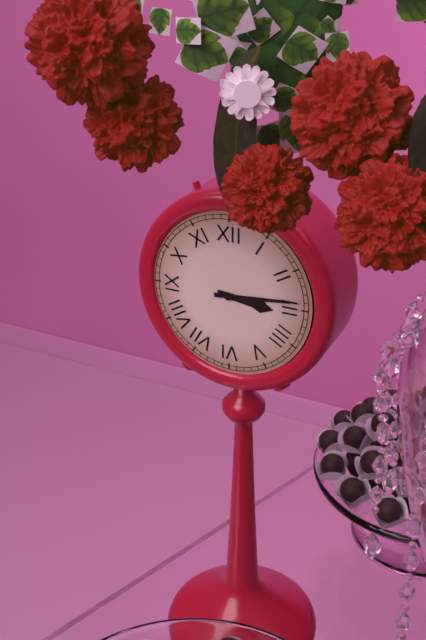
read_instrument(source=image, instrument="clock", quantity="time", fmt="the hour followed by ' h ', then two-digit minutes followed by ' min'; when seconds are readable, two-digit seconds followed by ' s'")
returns 3 h 14 min
